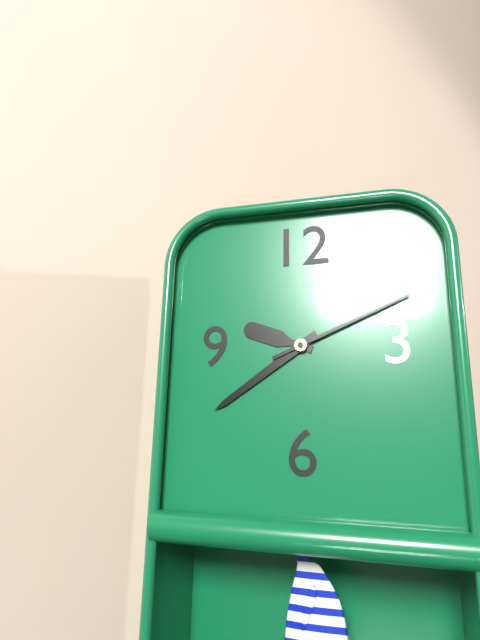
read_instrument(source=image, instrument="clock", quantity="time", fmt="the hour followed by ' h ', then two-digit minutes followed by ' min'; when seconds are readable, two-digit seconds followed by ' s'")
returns 9 h 39 min 11 s
